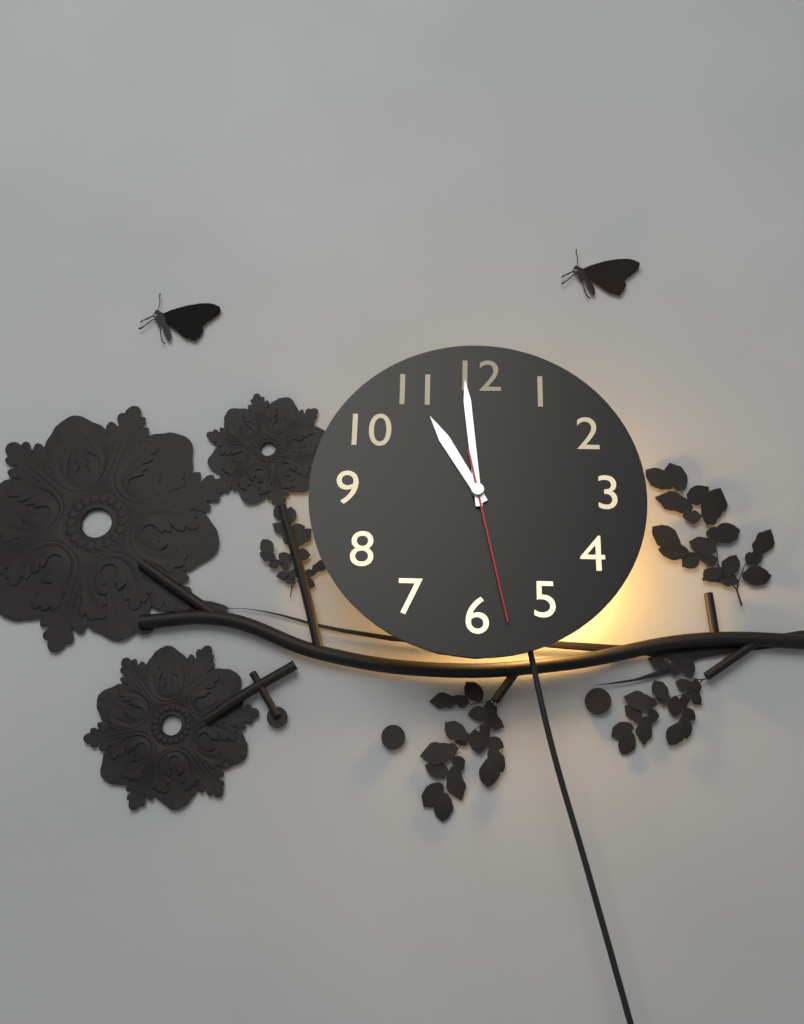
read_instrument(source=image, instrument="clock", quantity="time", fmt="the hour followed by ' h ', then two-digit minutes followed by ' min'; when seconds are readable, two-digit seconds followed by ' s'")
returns 10 h 59 min 28 s
